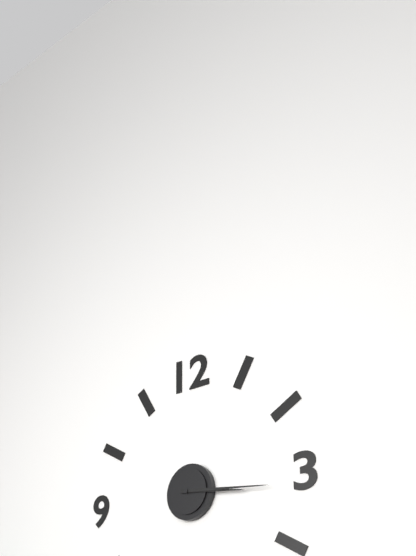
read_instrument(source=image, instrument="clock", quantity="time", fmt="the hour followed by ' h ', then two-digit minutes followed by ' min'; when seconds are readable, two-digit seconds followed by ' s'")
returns 3 h 16 min
